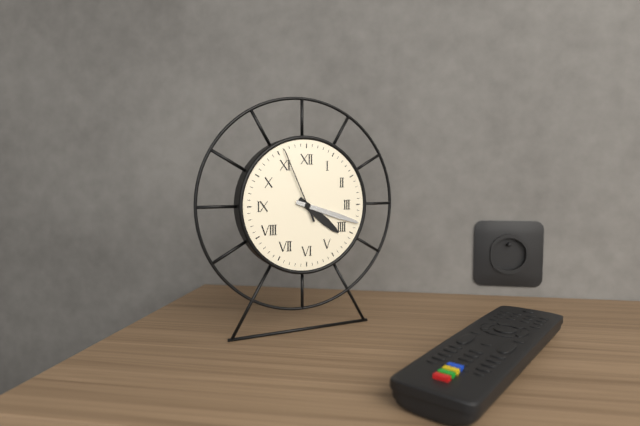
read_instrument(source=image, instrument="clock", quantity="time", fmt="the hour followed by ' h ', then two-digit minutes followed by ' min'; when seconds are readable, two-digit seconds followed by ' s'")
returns 4 h 18 min 56 s
